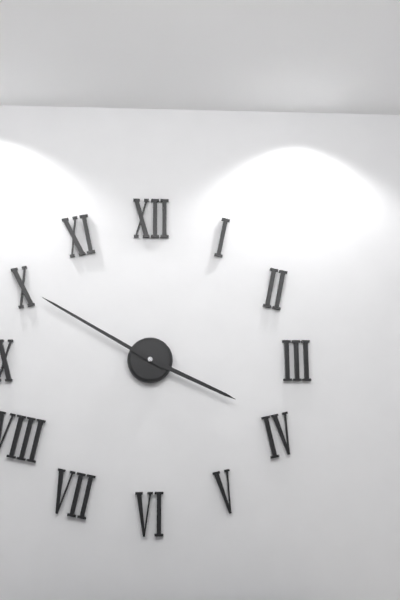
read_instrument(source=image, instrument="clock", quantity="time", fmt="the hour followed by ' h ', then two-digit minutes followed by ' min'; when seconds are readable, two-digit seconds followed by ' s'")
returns 3 h 50 min
